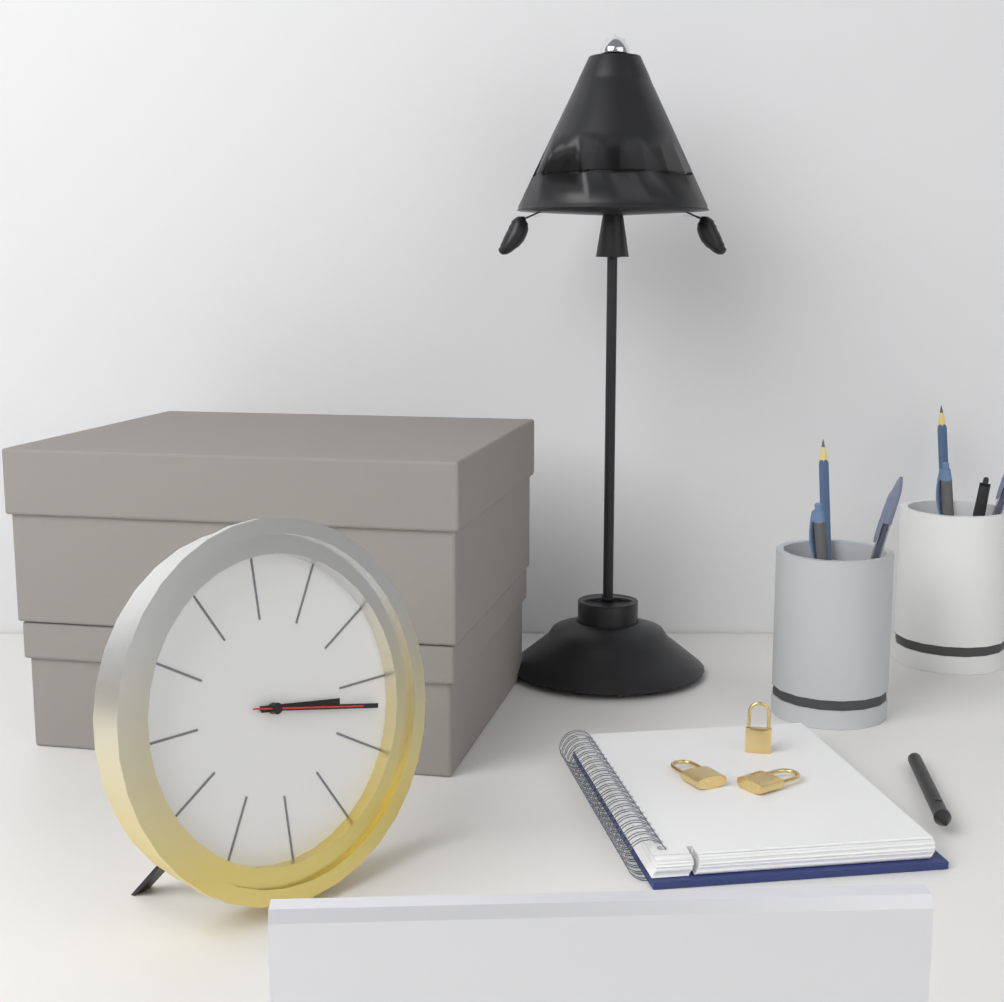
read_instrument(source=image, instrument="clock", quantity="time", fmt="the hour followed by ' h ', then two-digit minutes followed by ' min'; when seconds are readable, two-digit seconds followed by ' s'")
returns 3 h 17 min 17 s
